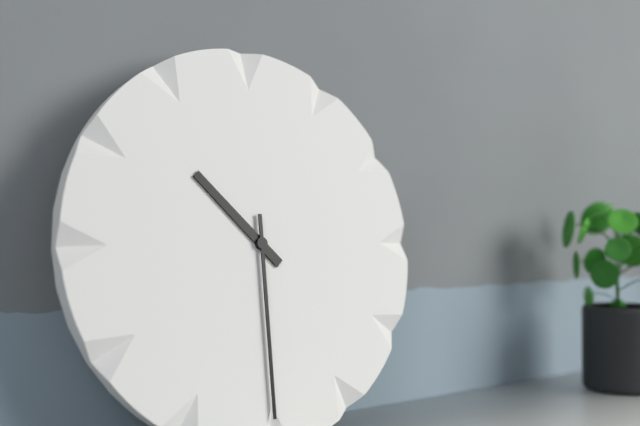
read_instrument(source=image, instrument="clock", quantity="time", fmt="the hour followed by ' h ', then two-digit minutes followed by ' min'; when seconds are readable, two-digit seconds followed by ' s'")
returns 10 h 30 min
